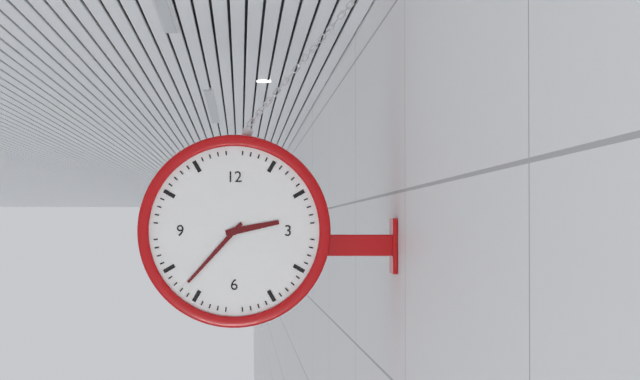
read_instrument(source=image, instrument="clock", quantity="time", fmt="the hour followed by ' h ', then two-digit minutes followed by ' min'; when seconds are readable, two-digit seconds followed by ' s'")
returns 2 h 37 min
